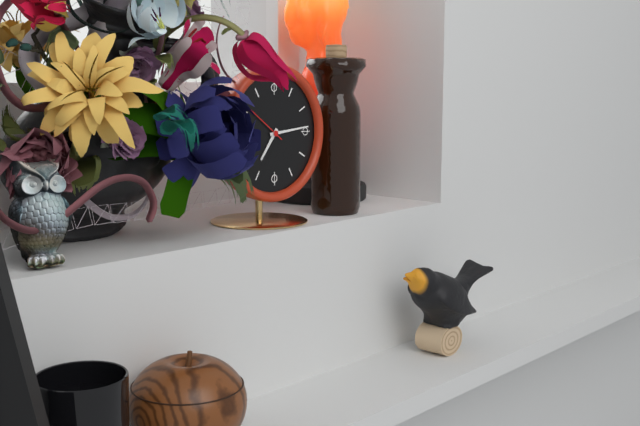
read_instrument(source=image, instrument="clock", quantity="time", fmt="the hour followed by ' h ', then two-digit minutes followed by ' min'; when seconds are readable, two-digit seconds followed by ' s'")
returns 7 h 14 min 51 s
